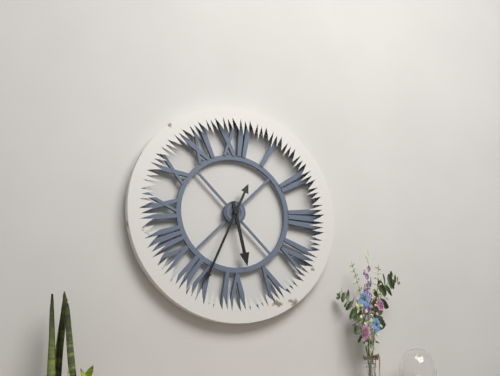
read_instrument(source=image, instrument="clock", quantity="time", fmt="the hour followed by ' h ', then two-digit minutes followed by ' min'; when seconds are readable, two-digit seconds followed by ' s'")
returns 5 h 34 min
